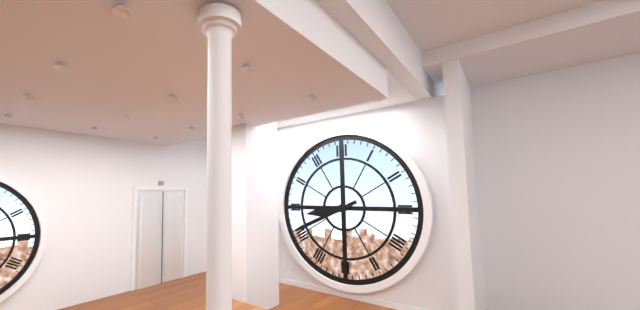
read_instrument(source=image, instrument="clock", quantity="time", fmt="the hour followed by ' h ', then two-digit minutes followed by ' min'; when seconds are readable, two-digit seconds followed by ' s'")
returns 8 h 41 min
